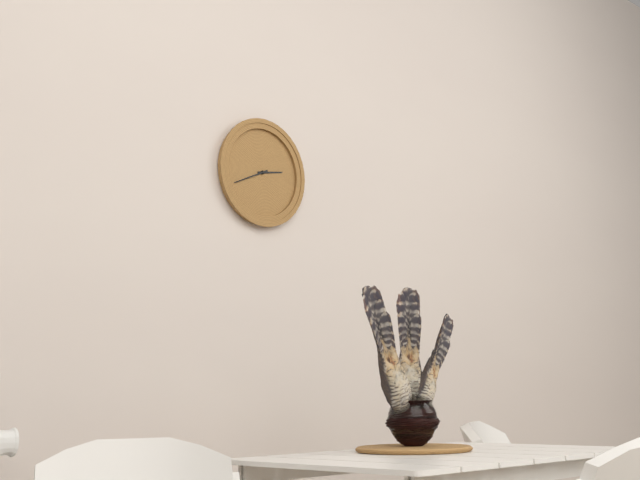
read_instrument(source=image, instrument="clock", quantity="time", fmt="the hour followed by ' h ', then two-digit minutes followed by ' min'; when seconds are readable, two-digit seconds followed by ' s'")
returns 2 h 41 min
